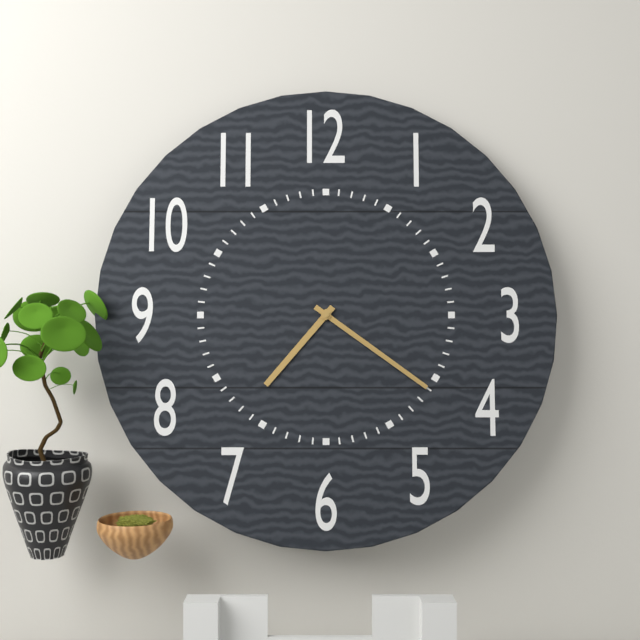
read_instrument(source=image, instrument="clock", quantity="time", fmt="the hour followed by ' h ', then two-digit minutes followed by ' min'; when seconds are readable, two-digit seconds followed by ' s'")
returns 7 h 21 min
